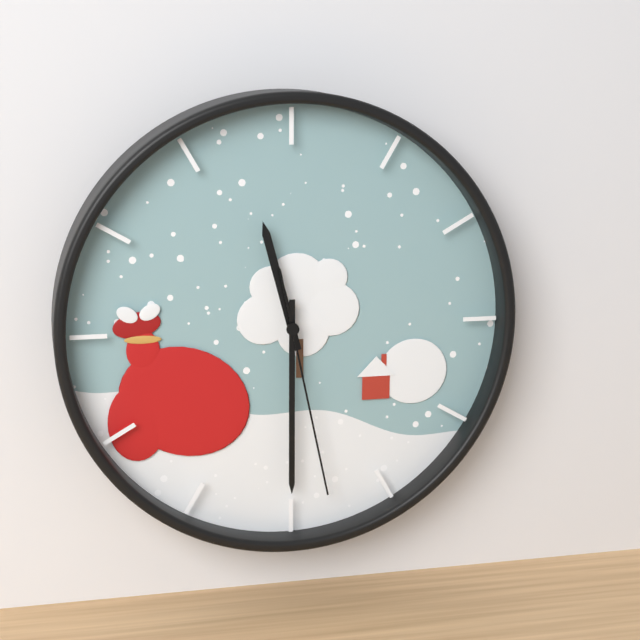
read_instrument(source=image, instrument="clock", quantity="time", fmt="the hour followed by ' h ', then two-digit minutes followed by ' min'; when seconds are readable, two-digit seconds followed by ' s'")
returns 11 h 30 min 28 s
